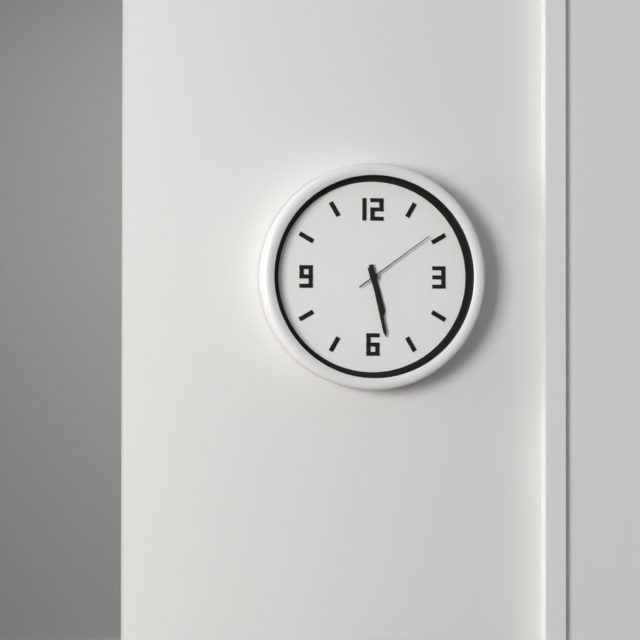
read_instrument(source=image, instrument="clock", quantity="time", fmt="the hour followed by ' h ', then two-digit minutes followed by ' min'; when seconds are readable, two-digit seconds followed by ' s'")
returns 5 h 28 min 09 s
